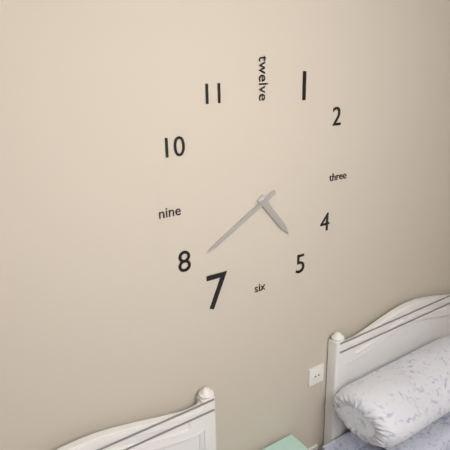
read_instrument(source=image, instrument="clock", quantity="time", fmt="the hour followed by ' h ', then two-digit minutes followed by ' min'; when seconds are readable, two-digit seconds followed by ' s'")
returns 4 h 40 min
